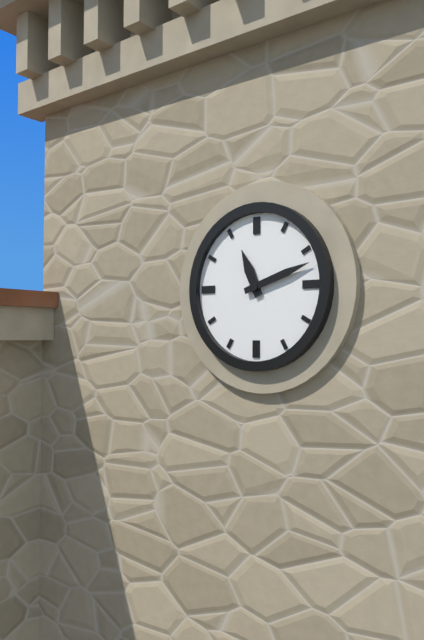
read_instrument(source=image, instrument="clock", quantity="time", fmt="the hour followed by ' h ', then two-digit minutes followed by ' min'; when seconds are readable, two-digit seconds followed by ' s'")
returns 11 h 12 min
